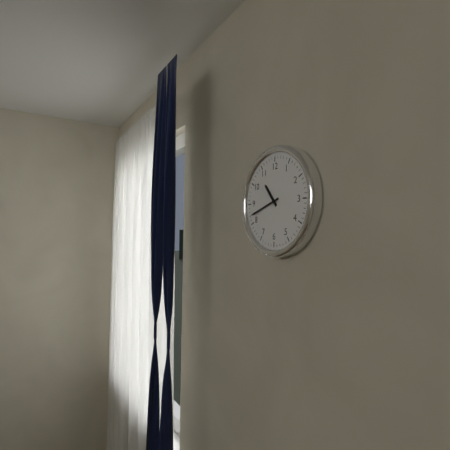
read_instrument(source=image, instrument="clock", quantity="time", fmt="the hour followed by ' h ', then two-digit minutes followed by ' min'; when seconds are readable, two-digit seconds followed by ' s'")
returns 10 h 42 min
